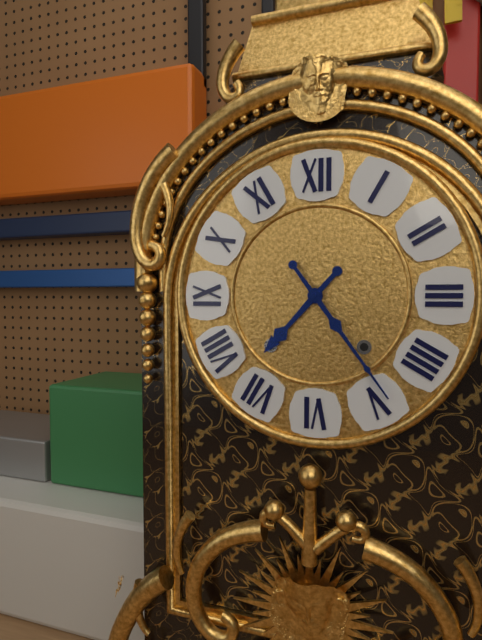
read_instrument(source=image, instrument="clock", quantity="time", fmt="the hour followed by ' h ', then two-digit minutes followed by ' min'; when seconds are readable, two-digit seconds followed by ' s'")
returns 7 h 24 min
